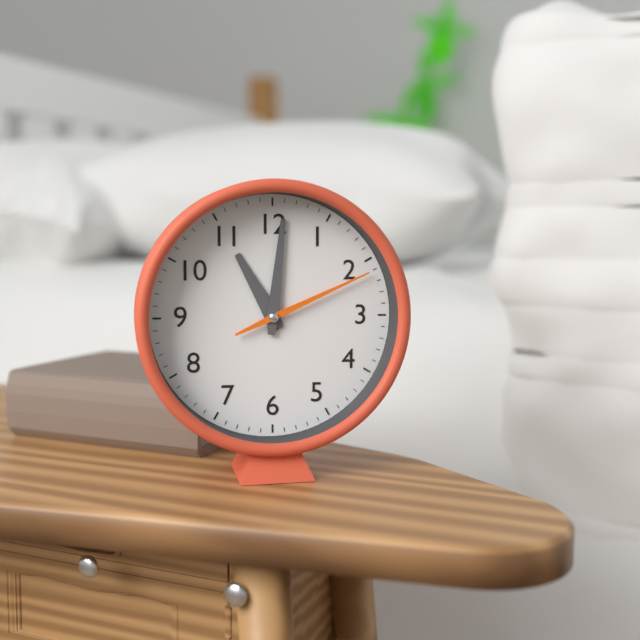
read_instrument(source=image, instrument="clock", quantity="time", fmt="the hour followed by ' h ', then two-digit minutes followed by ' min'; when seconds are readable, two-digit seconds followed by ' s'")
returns 11 h 01 min 11 s
